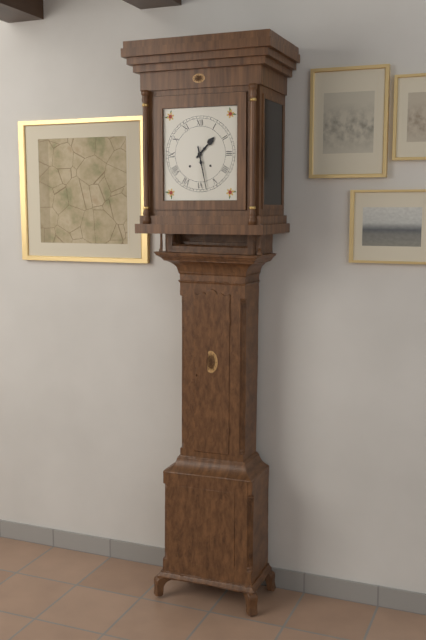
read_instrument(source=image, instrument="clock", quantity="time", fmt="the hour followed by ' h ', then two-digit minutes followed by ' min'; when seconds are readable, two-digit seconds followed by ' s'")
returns 1 h 28 min
